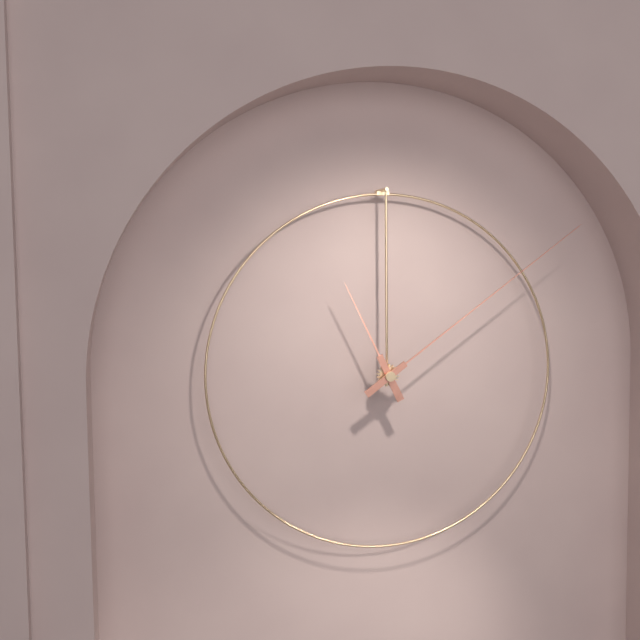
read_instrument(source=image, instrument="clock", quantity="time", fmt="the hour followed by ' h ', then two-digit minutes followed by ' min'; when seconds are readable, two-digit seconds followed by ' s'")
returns 11 h 09 min
